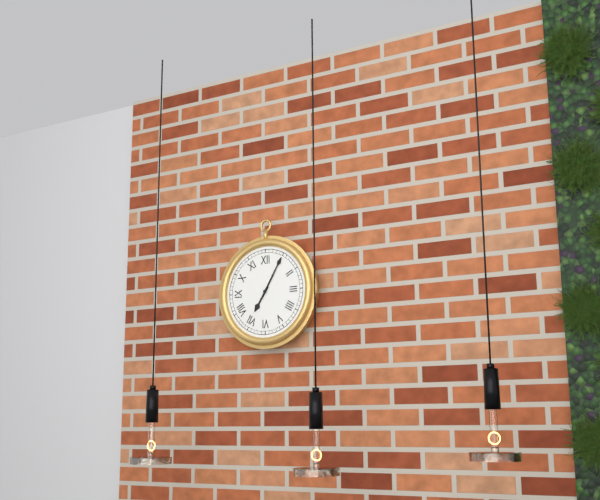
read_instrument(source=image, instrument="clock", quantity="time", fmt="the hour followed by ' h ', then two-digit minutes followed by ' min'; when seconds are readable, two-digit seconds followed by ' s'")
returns 7 h 05 min
